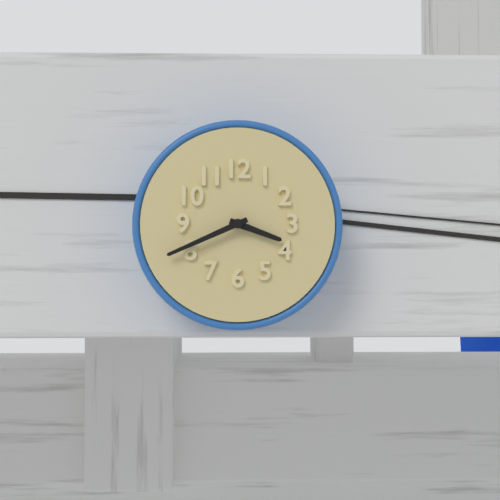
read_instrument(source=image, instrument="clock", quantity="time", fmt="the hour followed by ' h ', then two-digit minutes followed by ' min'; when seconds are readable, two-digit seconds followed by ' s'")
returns 3 h 41 min
